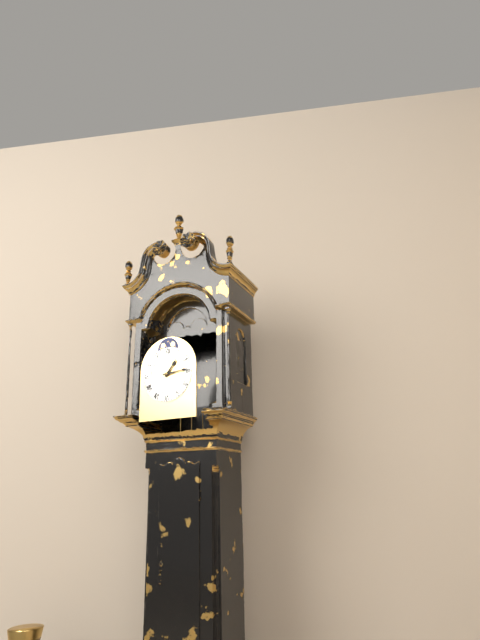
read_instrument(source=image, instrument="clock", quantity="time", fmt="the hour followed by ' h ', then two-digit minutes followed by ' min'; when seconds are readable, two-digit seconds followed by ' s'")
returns 1 h 14 min
